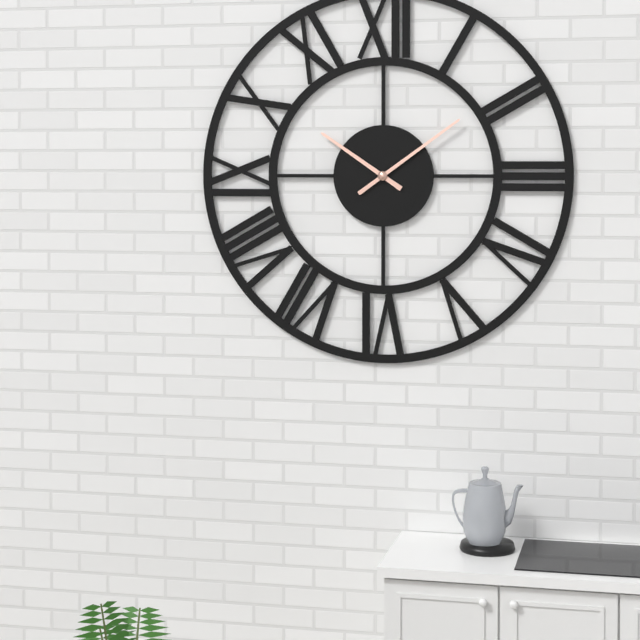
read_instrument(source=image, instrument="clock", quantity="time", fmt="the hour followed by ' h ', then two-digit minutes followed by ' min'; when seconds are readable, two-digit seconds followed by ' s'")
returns 10 h 09 min
